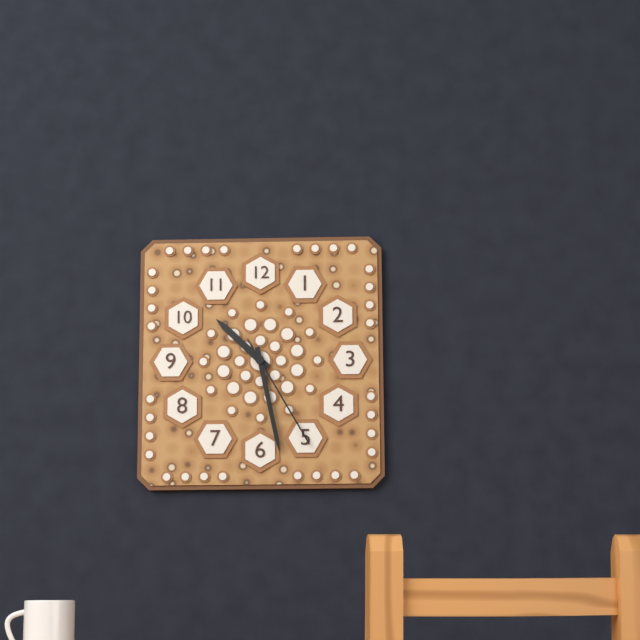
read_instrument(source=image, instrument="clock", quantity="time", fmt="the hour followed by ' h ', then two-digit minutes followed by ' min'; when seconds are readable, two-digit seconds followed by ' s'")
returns 10 h 28 min 25 s
